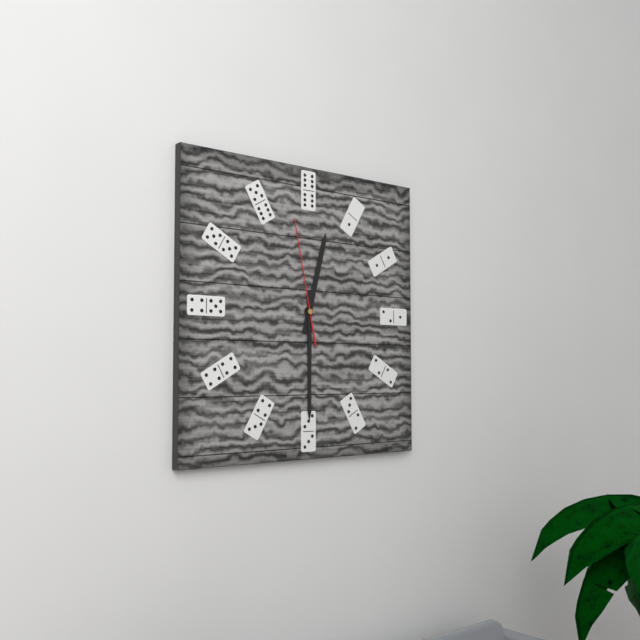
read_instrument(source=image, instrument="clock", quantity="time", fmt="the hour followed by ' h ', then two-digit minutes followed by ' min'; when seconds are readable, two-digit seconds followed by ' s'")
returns 12 h 30 min 58 s
